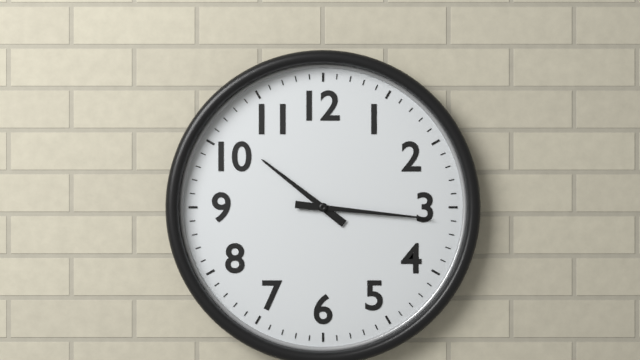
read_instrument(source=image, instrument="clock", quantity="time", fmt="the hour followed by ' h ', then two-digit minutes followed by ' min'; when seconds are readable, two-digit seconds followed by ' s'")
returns 10 h 16 min
